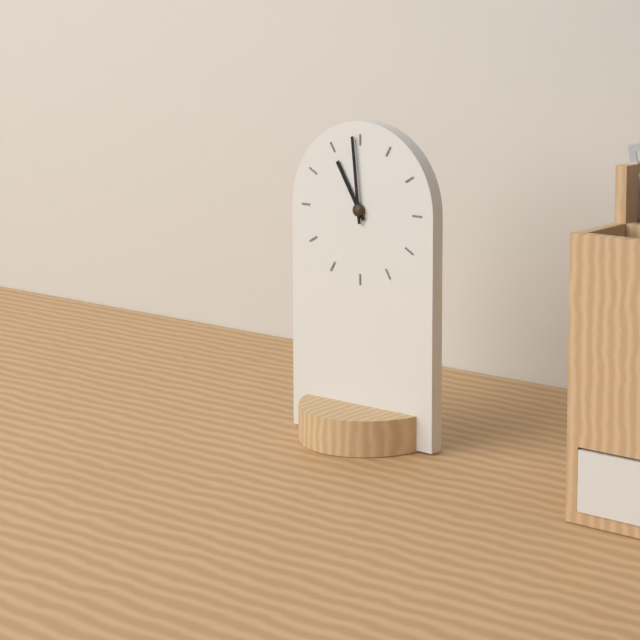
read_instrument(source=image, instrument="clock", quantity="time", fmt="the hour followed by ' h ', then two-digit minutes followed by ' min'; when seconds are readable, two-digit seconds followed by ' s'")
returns 10 h 59 min
